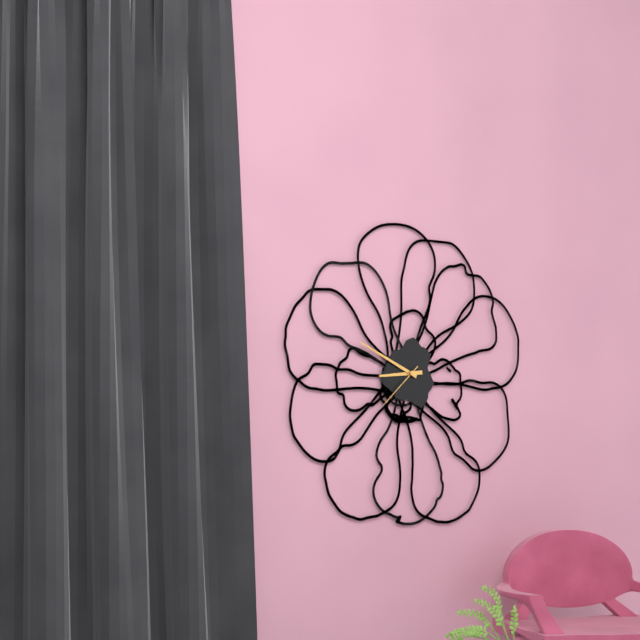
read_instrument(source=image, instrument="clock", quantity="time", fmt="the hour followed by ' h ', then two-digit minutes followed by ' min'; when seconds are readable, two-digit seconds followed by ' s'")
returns 8 h 49 min 38 s
